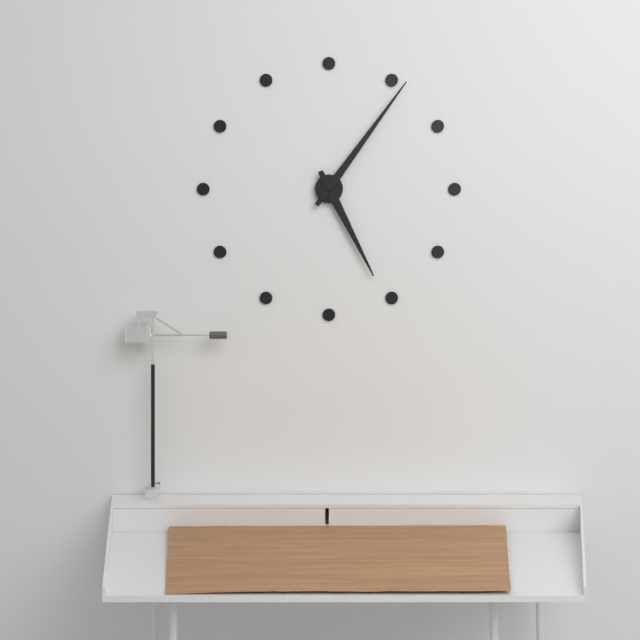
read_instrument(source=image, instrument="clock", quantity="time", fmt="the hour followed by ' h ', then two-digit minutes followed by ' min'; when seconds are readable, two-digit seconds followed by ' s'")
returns 5 h 06 min
